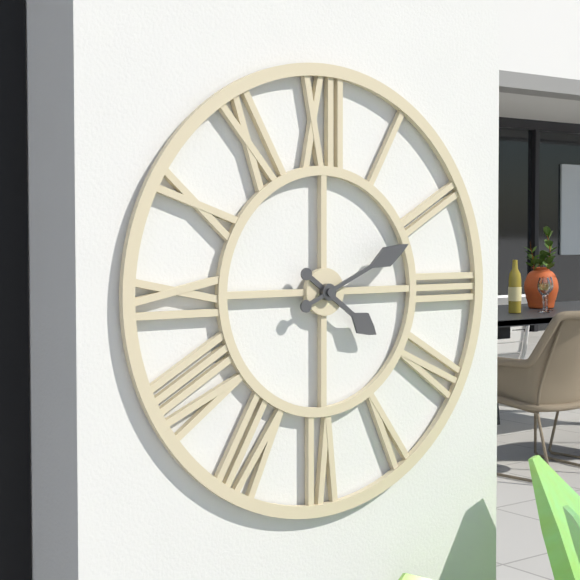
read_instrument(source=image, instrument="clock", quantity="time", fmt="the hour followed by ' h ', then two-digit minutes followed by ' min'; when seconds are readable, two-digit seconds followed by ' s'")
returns 4 h 11 min
